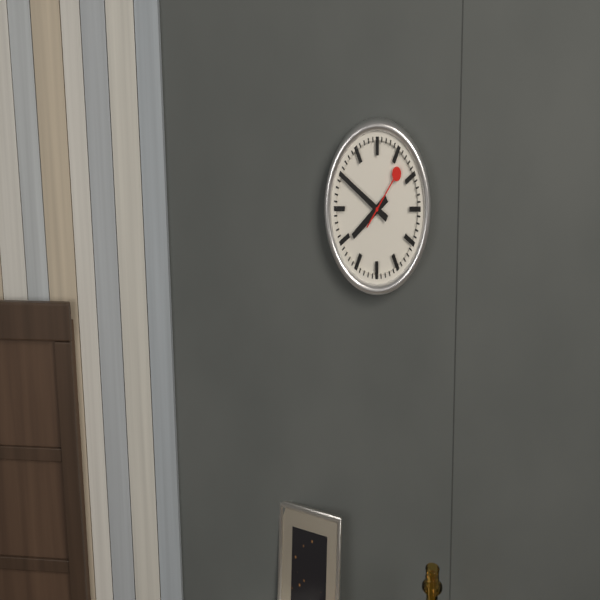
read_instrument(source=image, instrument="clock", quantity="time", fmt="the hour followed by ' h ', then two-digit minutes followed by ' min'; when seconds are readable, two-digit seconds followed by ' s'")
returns 7 h 50 min 07 s
